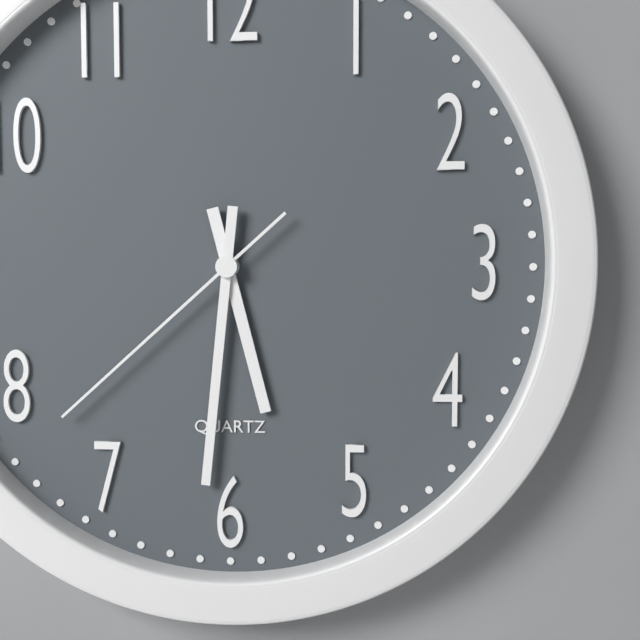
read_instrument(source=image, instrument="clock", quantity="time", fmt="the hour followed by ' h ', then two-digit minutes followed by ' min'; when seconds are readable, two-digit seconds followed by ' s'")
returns 5 h 31 min 38 s
